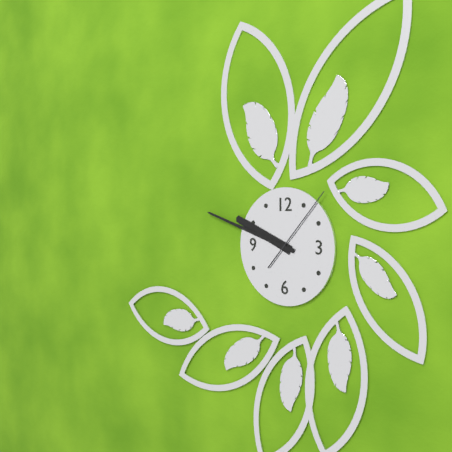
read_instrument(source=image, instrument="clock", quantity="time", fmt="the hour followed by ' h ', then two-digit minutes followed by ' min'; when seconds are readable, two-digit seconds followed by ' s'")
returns 9 h 48 min 07 s
